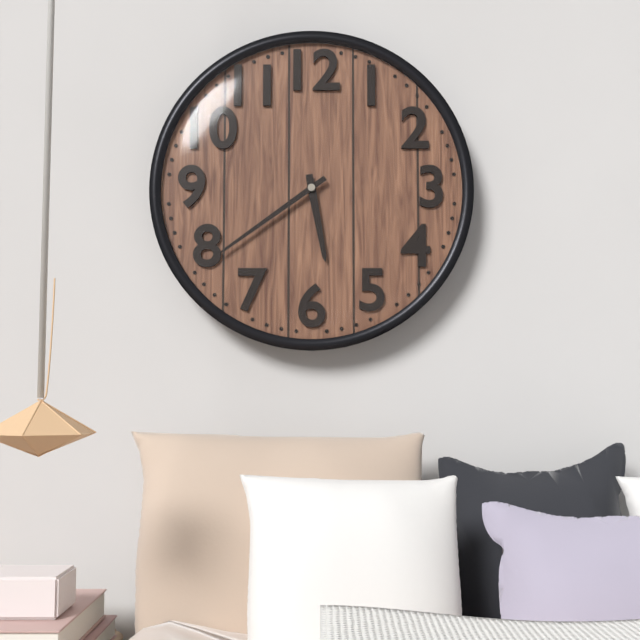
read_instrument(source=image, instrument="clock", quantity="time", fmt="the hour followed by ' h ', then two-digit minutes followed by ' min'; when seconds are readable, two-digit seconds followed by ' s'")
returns 5 h 39 min
